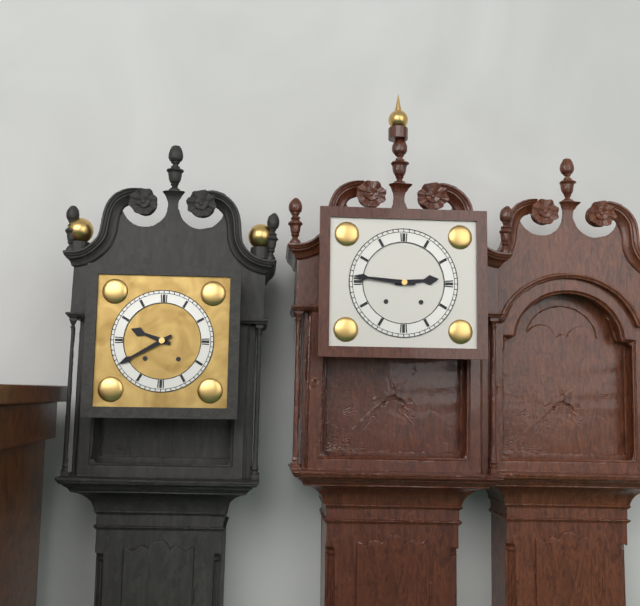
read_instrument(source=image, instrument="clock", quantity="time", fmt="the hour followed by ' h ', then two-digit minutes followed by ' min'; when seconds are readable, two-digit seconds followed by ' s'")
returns 2 h 46 min
